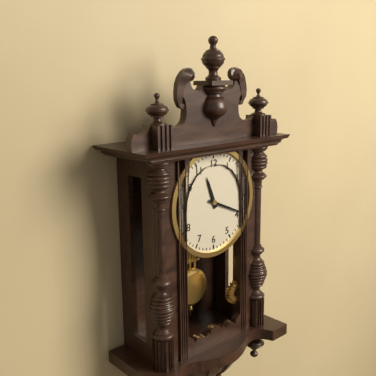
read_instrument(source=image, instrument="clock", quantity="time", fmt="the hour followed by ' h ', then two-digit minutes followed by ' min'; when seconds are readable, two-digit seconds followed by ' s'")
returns 11 h 19 min
